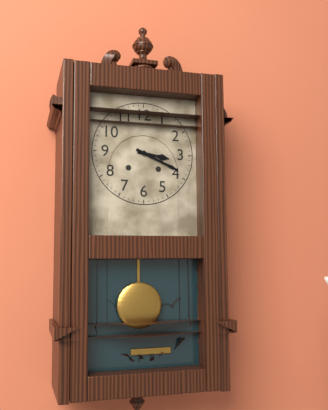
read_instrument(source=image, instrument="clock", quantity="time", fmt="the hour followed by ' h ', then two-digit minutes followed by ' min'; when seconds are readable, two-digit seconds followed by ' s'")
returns 3 h 19 min
